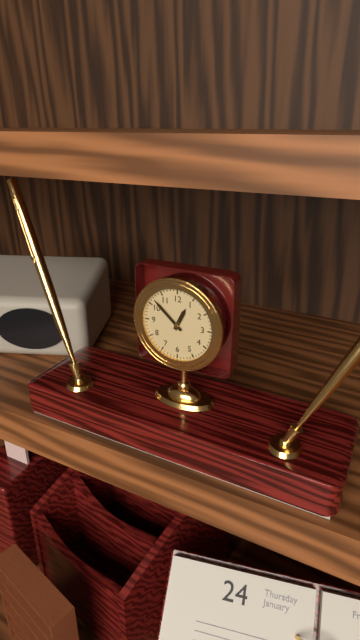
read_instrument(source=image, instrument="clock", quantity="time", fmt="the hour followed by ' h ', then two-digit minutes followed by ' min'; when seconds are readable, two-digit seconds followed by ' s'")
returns 12 h 52 min
